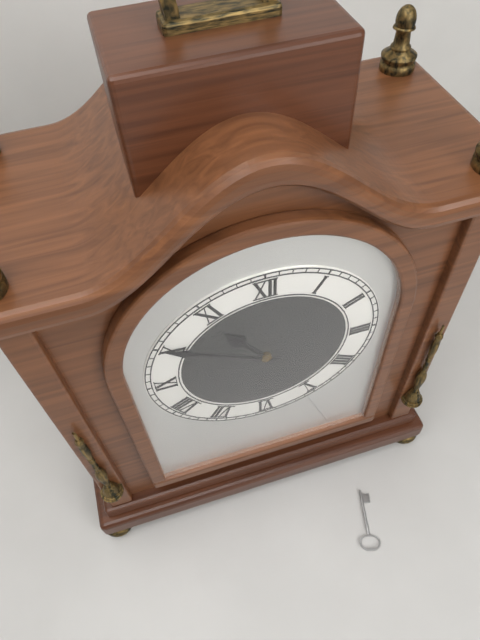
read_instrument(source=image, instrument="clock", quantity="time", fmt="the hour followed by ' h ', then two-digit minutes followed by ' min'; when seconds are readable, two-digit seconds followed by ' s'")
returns 10 h 50 min
